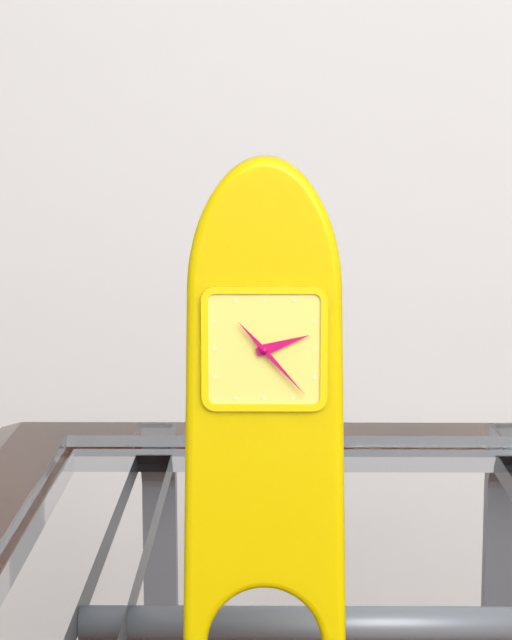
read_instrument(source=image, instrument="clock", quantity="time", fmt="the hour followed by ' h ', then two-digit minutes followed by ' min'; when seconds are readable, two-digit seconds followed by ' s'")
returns 2 h 23 min
